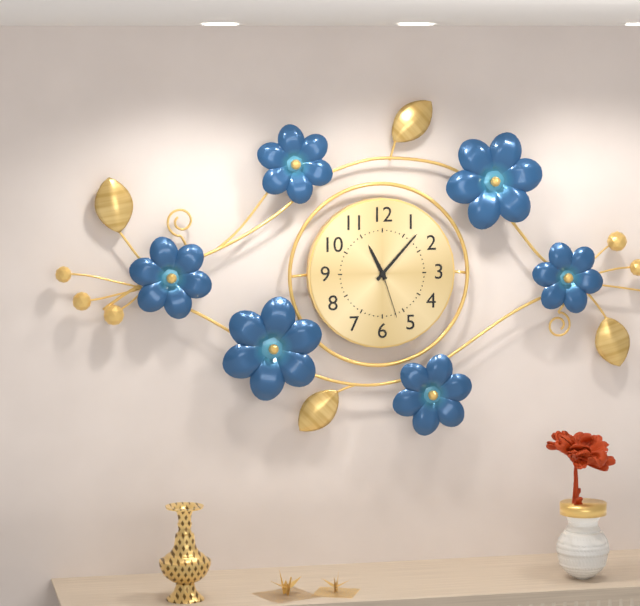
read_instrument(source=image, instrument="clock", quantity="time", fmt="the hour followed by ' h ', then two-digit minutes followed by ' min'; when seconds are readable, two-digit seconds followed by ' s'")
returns 11 h 07 min 27 s
